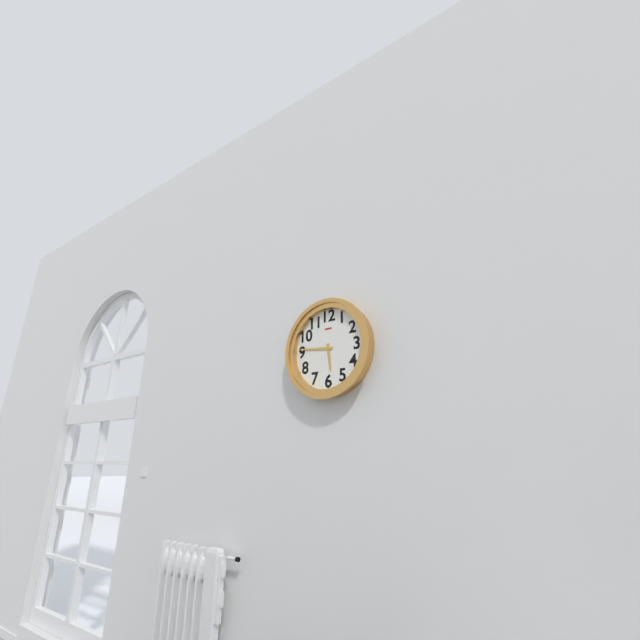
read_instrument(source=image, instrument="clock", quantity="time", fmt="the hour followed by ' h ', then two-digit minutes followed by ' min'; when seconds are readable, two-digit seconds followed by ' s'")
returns 5 h 46 min
